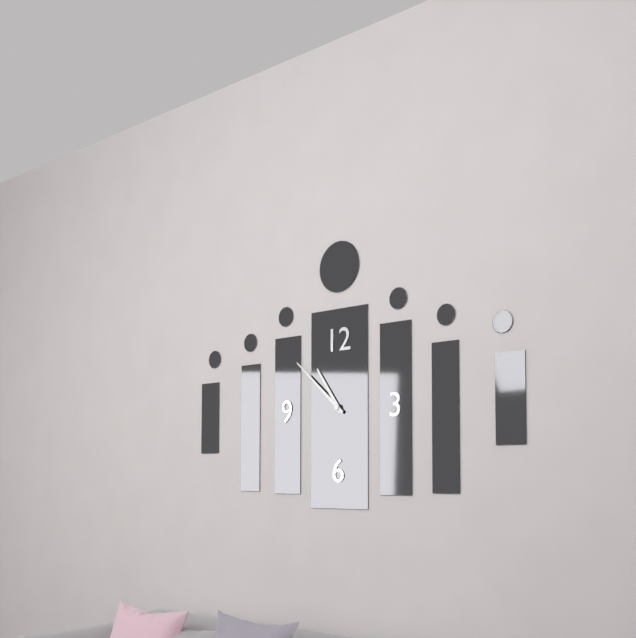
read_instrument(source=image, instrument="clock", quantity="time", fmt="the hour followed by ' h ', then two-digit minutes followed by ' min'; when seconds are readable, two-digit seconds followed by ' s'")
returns 10 h 52 min
